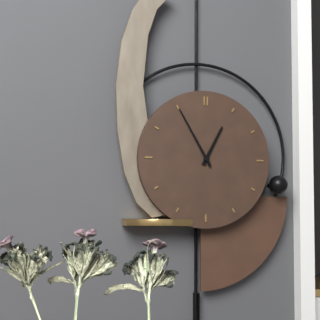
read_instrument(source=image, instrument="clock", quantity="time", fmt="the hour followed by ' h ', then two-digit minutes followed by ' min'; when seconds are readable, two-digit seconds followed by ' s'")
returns 12 h 55 min
